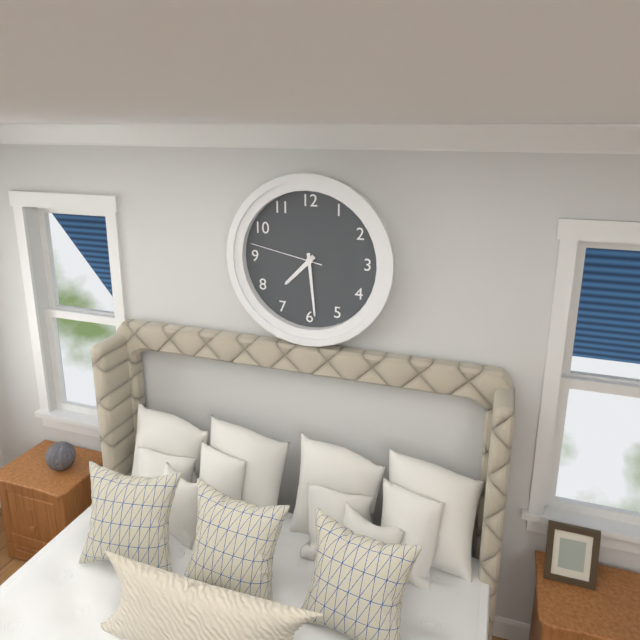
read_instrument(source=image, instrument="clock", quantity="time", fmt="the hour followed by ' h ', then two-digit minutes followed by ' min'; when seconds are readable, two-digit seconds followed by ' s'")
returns 7 h 29 min 47 s
